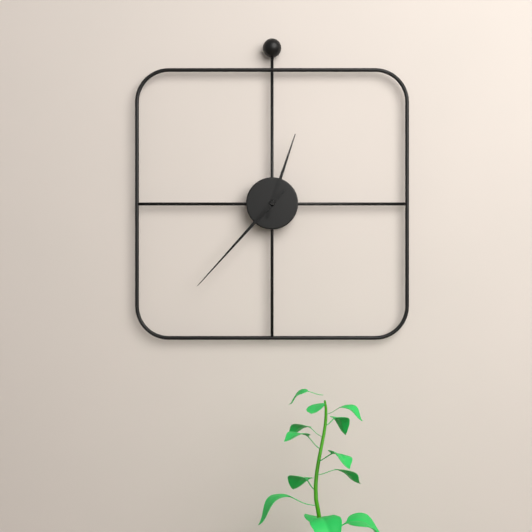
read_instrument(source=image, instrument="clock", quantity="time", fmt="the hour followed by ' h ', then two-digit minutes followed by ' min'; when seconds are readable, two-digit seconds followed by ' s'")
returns 12 h 37 min
